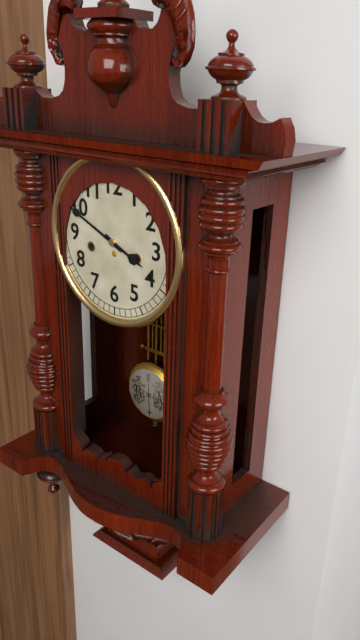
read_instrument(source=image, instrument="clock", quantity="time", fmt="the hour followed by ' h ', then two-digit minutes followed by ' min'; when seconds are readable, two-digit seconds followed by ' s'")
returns 3 h 49 min
